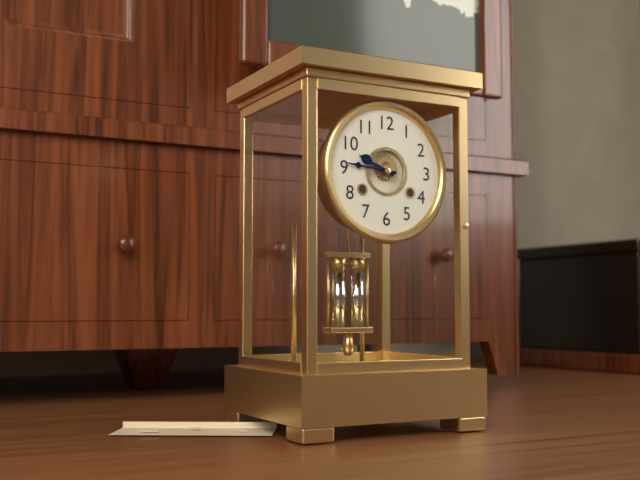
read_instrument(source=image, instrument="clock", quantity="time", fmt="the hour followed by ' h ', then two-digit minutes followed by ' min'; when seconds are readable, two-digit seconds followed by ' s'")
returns 9 h 46 min
